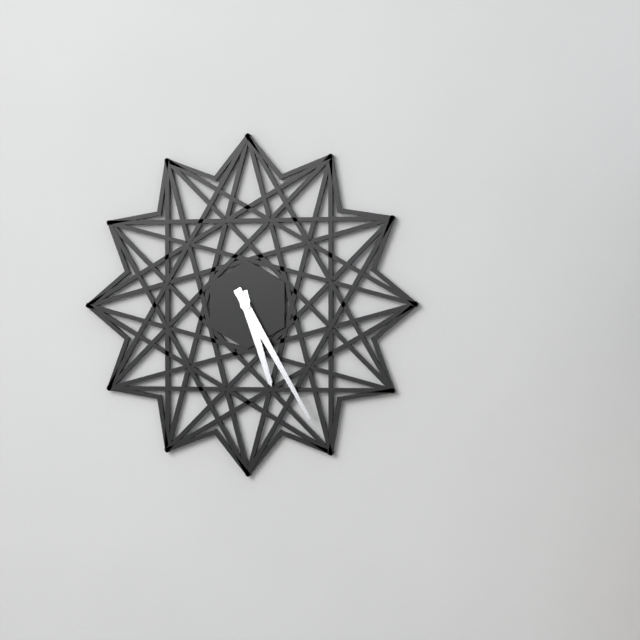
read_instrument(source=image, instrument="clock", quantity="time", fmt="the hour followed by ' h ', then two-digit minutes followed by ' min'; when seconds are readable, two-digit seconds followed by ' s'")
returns 5 h 25 min
